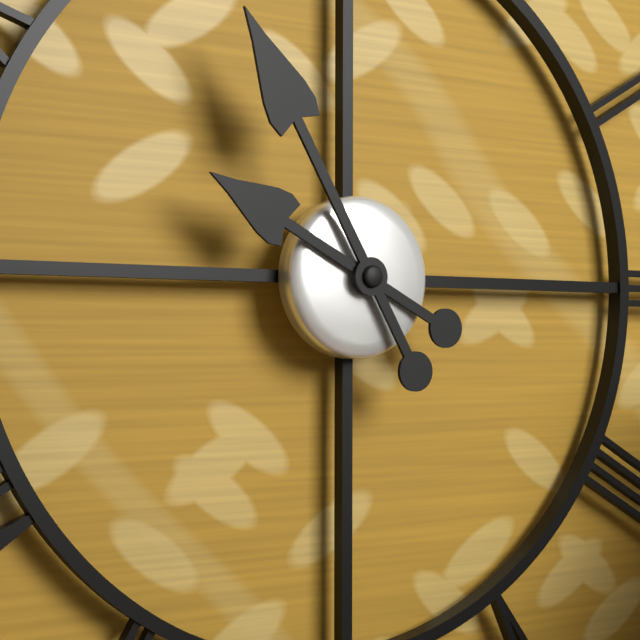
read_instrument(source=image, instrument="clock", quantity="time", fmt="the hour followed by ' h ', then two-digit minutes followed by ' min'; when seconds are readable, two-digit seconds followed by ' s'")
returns 9 h 55 min
